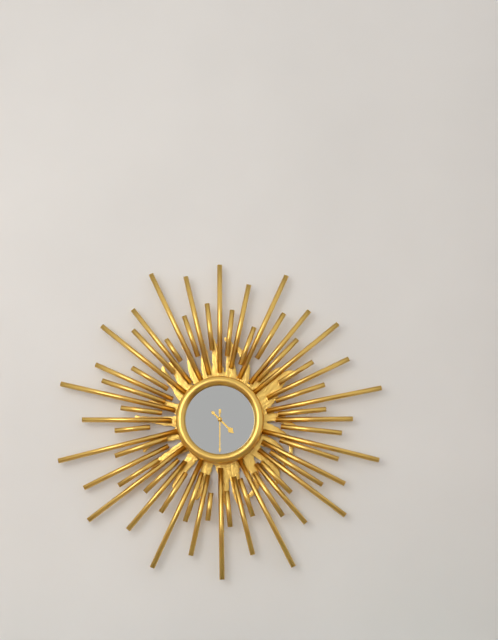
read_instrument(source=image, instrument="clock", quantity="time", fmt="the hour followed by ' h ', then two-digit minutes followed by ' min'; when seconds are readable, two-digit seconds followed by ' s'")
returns 4 h 30 min
